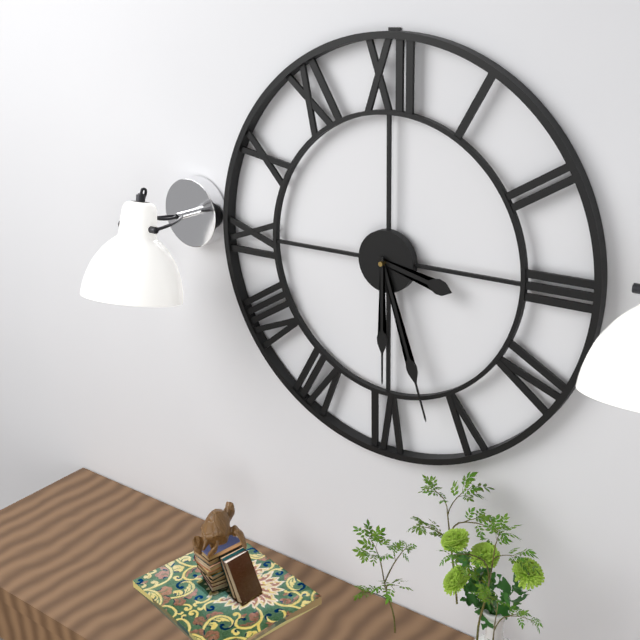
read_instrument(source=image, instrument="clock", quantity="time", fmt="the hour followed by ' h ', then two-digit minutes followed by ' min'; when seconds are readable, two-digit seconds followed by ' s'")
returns 3 h 27 min 30 s
